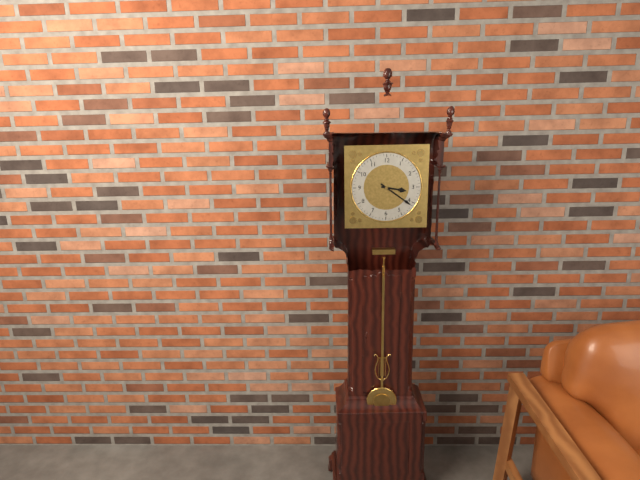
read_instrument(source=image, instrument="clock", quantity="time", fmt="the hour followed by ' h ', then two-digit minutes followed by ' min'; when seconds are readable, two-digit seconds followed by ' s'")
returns 3 h 21 min
